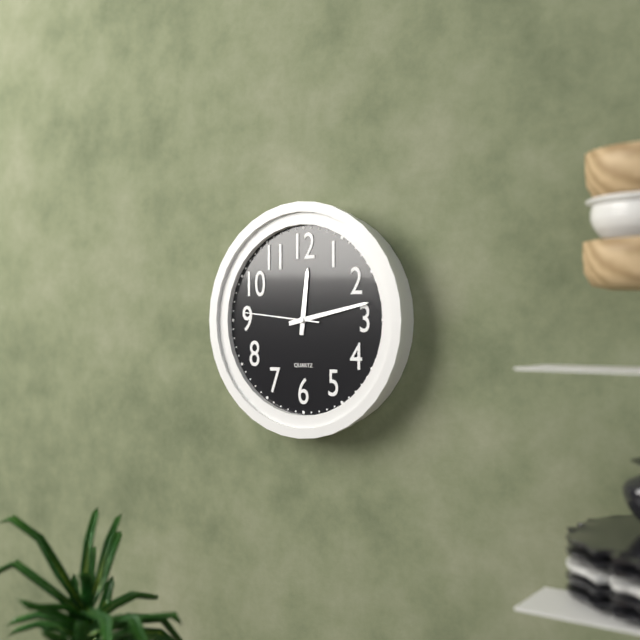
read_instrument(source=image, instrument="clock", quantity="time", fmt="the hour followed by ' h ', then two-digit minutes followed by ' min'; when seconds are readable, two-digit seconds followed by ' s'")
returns 12 h 13 min 46 s
